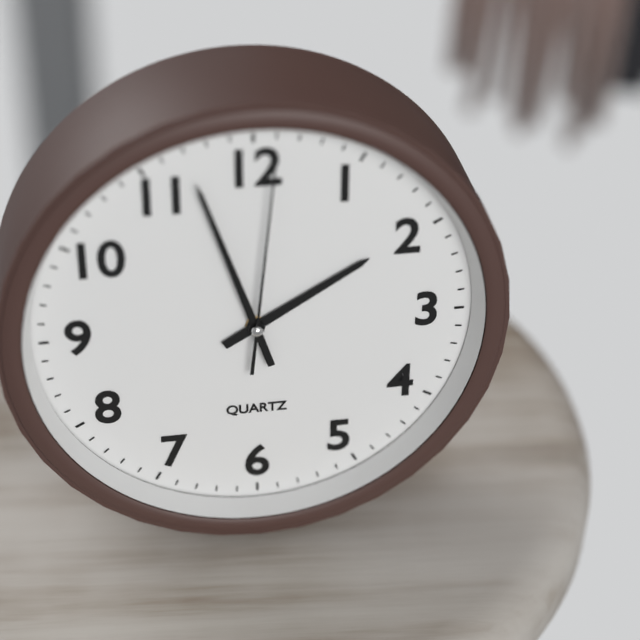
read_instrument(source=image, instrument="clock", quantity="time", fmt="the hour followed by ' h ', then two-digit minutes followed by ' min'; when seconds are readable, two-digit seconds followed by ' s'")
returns 1 h 57 min 01 s
